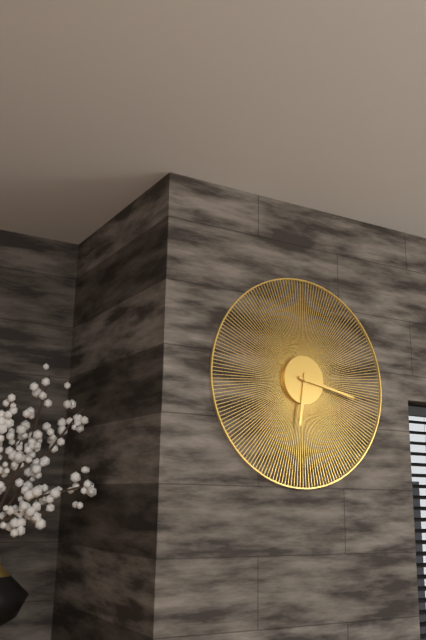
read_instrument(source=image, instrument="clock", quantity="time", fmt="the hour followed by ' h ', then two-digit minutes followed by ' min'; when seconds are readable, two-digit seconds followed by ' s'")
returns 6 h 17 min
